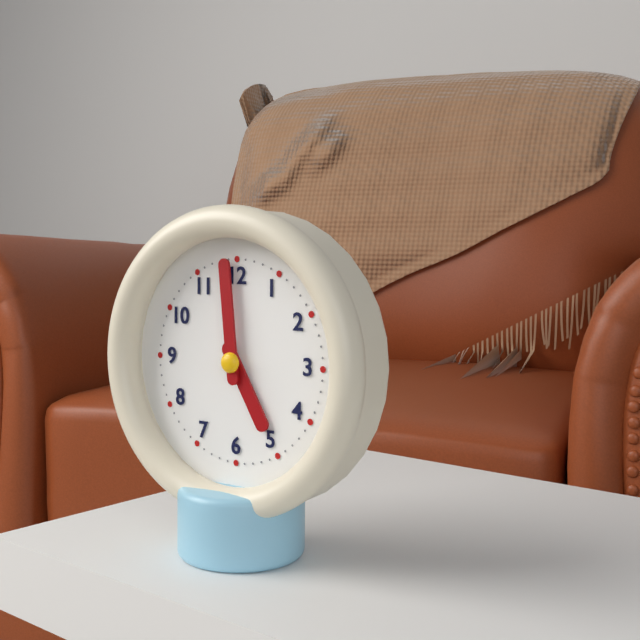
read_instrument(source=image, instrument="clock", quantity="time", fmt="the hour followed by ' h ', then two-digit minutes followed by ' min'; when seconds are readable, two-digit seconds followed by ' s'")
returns 4 h 59 min
